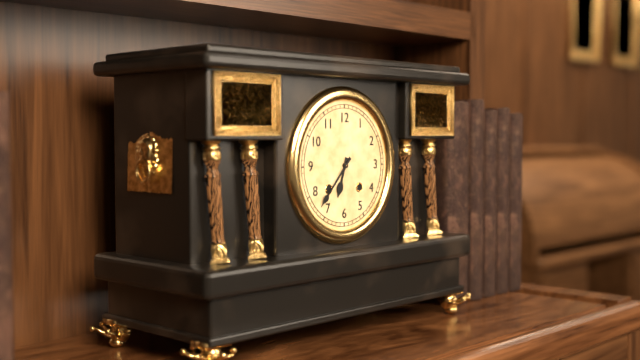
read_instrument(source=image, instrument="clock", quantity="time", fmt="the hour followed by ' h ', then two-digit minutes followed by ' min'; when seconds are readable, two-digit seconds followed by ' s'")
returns 6 h 37 min
